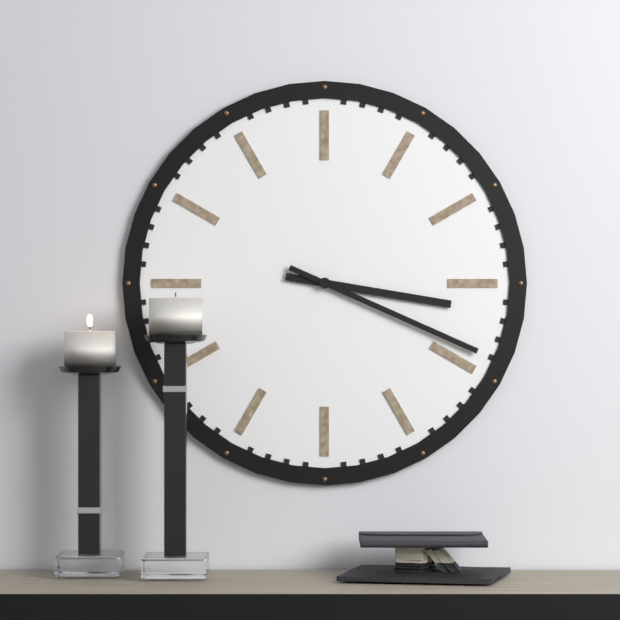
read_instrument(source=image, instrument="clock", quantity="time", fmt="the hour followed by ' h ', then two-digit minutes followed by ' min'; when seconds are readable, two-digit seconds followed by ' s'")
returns 3 h 19 min
